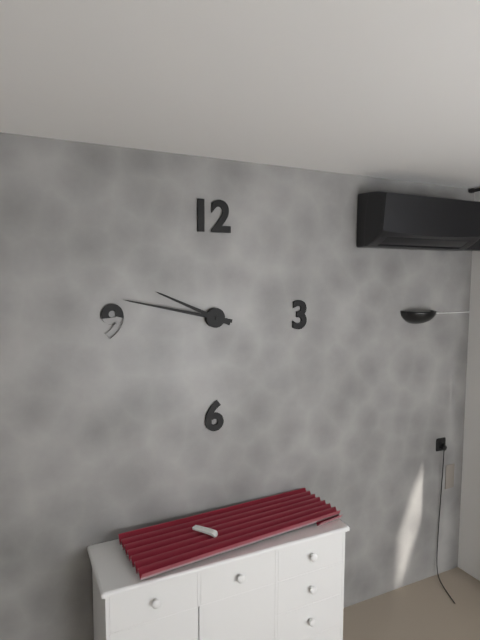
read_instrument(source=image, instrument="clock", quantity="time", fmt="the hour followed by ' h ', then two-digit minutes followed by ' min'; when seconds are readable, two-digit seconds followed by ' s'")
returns 9 h 47 min
